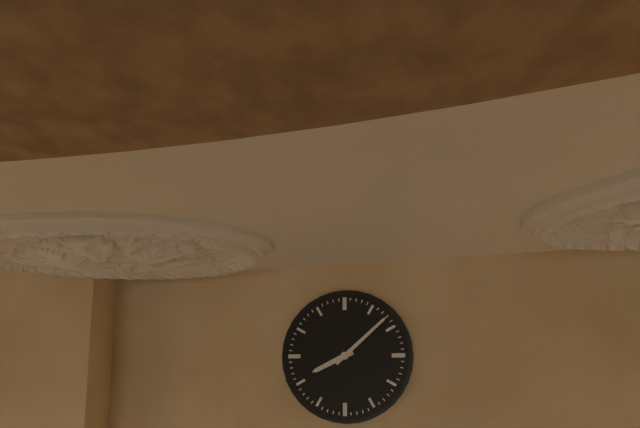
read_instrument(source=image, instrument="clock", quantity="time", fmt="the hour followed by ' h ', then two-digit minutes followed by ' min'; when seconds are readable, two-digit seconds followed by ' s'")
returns 8 h 08 min
